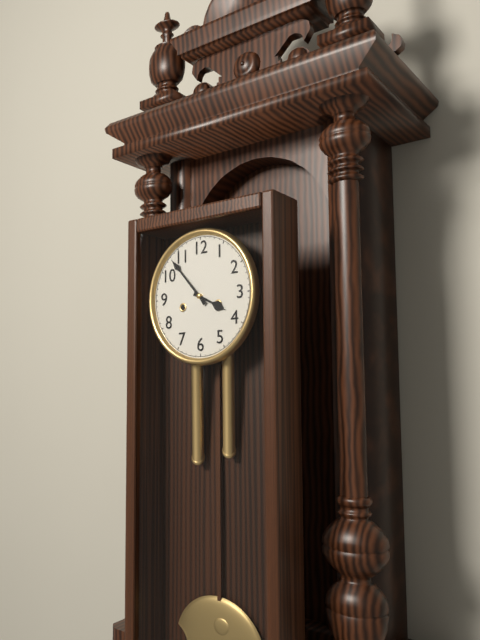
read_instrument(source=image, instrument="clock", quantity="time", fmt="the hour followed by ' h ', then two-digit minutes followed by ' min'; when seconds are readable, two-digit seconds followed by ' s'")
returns 3 h 53 min
